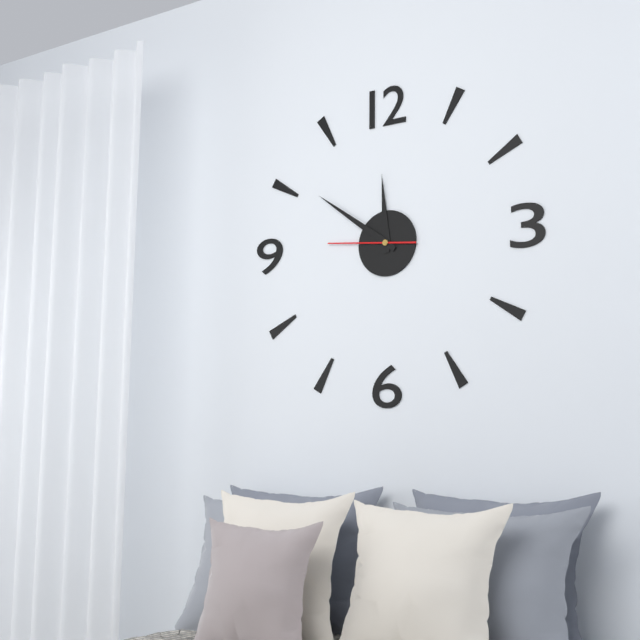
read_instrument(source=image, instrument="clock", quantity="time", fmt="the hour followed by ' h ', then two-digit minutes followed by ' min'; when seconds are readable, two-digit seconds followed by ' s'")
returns 11 h 51 min 46 s
